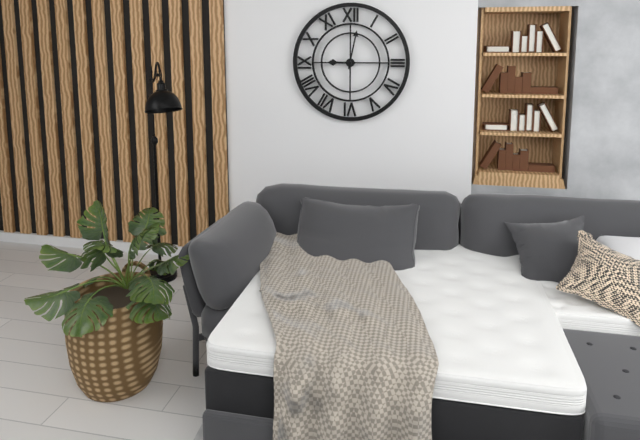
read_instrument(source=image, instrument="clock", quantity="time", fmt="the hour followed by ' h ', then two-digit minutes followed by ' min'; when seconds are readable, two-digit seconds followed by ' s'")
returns 9 h 02 min
